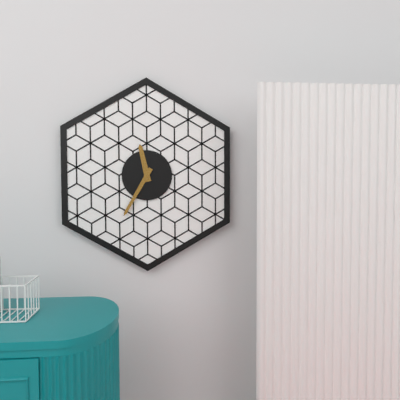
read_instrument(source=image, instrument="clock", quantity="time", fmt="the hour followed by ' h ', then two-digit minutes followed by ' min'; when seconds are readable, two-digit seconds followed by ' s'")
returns 11 h 35 min
